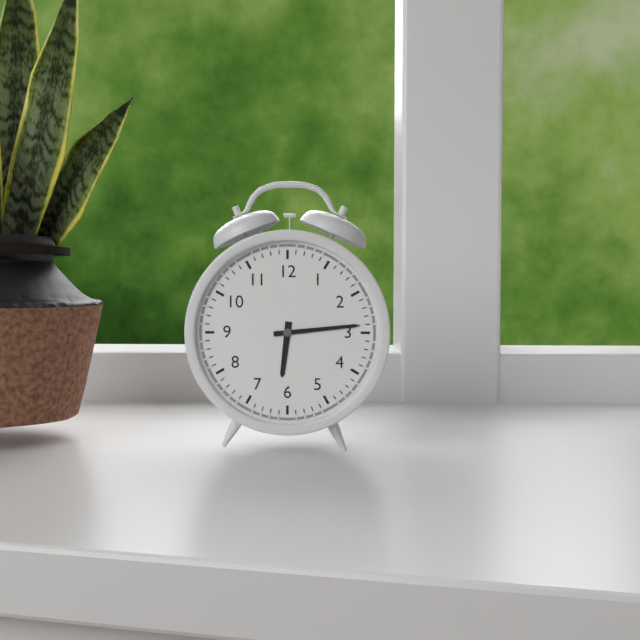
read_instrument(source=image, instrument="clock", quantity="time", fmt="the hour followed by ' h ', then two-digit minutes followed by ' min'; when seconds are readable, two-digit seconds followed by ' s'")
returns 6 h 14 min
